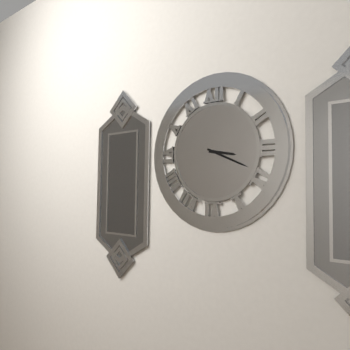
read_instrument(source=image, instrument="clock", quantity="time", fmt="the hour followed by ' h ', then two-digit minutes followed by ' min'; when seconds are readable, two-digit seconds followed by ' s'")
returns 3 h 19 min
